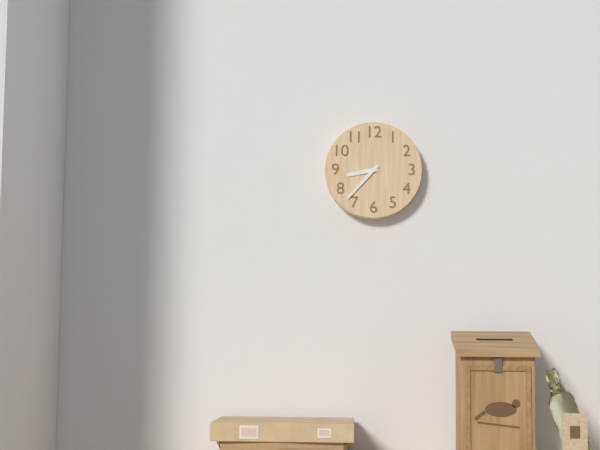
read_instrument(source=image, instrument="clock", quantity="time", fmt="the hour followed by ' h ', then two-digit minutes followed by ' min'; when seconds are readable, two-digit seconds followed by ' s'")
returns 8 h 37 min
